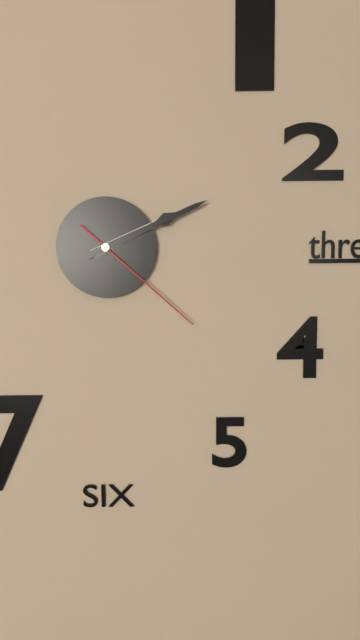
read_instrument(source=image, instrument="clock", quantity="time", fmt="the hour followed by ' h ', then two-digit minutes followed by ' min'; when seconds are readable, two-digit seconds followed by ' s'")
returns 2 h 11 min 22 s
